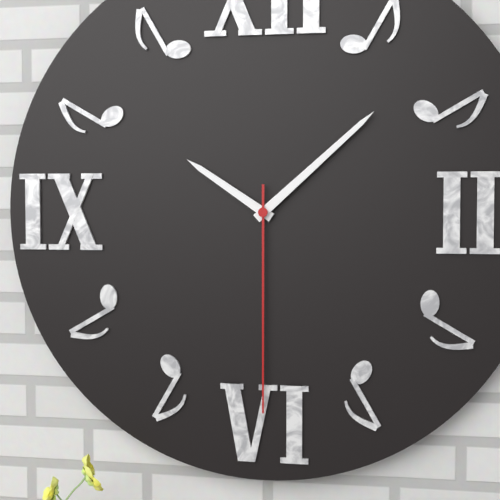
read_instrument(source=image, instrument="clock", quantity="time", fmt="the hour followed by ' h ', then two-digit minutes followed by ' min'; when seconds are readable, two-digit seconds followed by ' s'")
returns 10 h 08 min 30 s
